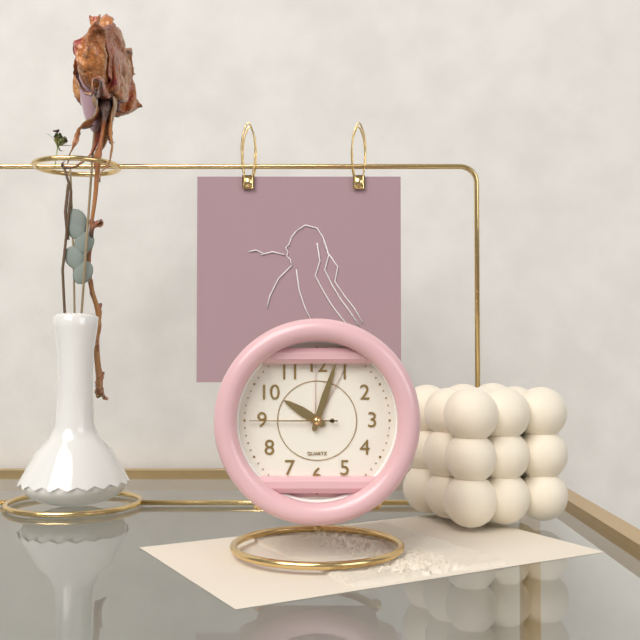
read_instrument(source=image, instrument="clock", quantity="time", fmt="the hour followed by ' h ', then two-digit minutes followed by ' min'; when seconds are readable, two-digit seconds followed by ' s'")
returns 10 h 03 min 45 s
